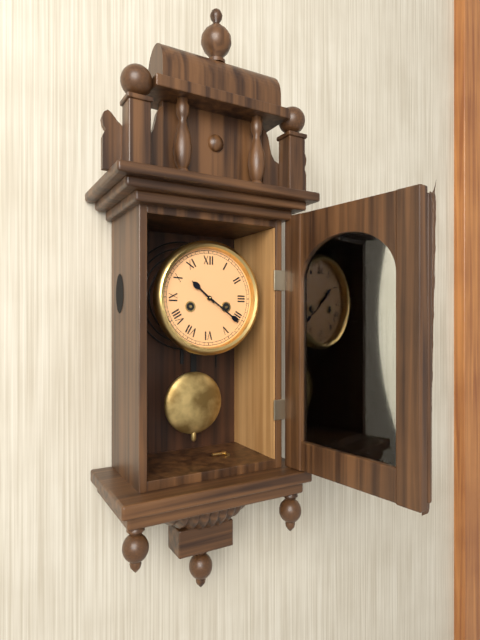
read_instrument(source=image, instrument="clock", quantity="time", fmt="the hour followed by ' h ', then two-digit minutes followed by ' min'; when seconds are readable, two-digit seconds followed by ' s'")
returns 10 h 21 min
